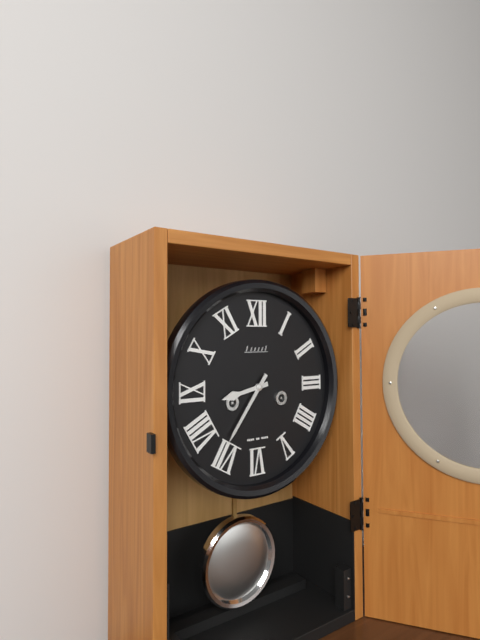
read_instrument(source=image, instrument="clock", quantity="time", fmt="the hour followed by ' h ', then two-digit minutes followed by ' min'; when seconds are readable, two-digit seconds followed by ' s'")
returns 8 h 36 min
